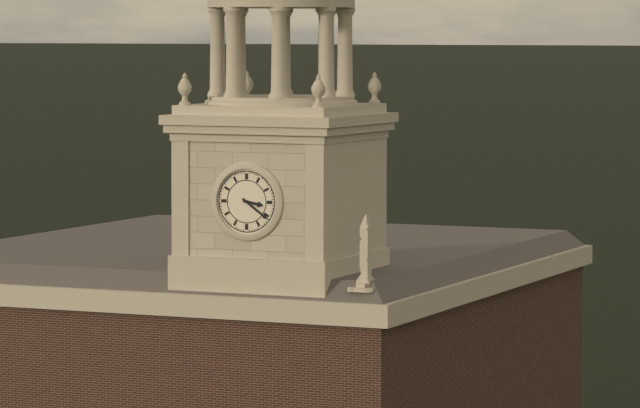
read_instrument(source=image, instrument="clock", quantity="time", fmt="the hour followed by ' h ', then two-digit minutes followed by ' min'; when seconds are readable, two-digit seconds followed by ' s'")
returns 3 h 21 min
